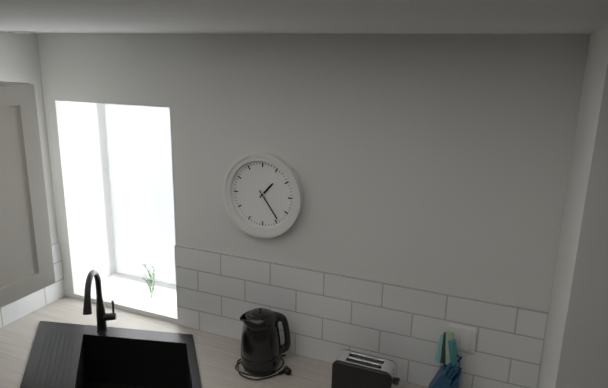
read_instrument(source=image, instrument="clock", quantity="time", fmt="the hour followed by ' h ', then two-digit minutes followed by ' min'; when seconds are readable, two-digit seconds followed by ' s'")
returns 1 h 24 min
